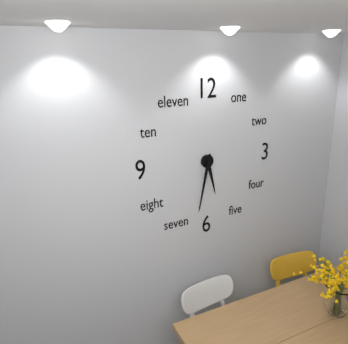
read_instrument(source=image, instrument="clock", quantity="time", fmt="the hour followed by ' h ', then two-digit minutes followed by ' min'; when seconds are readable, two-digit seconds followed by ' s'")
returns 5 h 32 min
